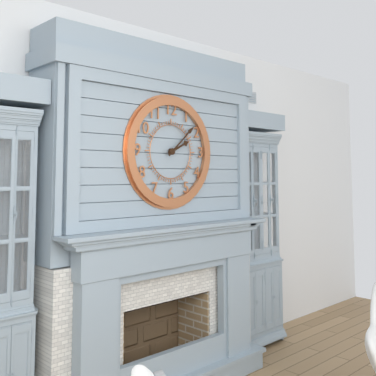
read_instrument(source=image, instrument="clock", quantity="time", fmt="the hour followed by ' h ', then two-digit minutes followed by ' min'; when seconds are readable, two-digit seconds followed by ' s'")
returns 2 h 08 min
